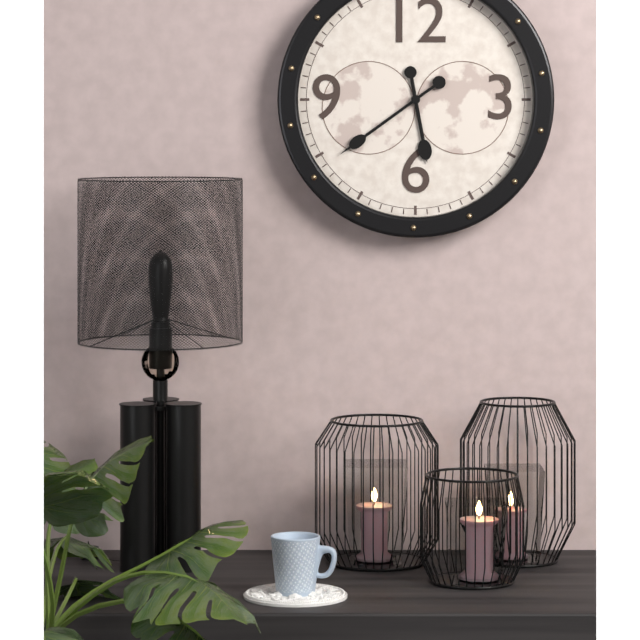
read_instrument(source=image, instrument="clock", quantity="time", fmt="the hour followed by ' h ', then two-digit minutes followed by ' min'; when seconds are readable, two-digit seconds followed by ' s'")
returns 5 h 39 min
